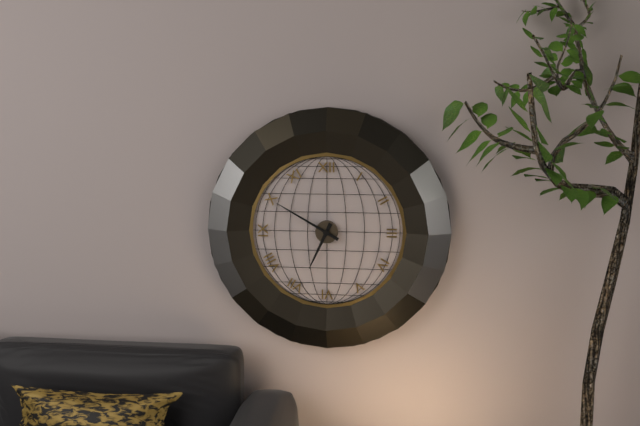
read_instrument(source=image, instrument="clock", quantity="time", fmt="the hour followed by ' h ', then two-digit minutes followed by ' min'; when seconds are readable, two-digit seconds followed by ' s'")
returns 6 h 50 min
